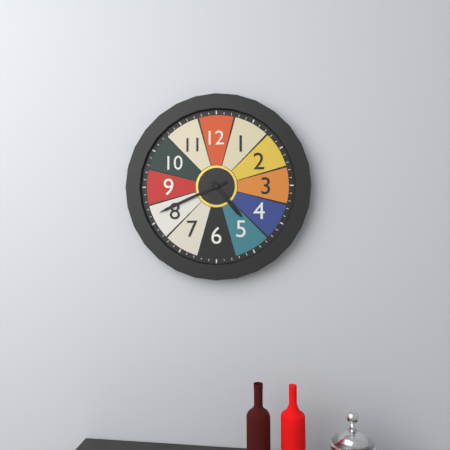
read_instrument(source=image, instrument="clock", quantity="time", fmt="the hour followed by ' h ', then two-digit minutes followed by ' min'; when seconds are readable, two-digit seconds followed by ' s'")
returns 4 h 41 min
